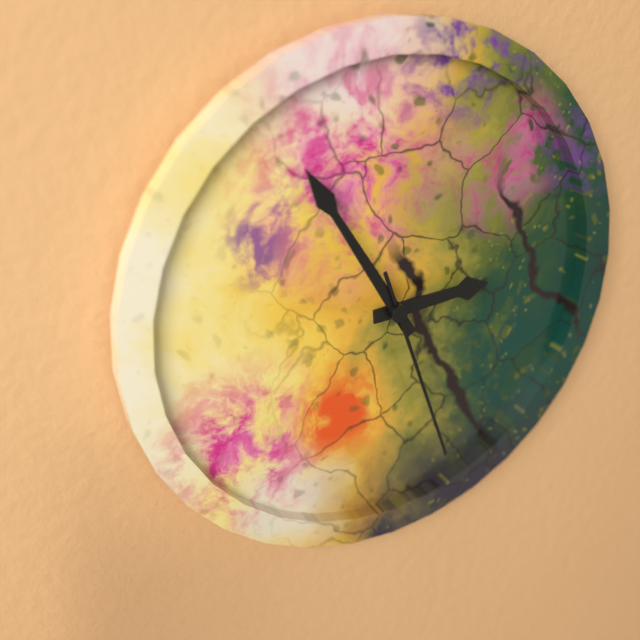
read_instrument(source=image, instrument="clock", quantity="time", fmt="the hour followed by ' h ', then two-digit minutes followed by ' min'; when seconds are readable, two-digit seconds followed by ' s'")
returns 2 h 55 min 27 s
